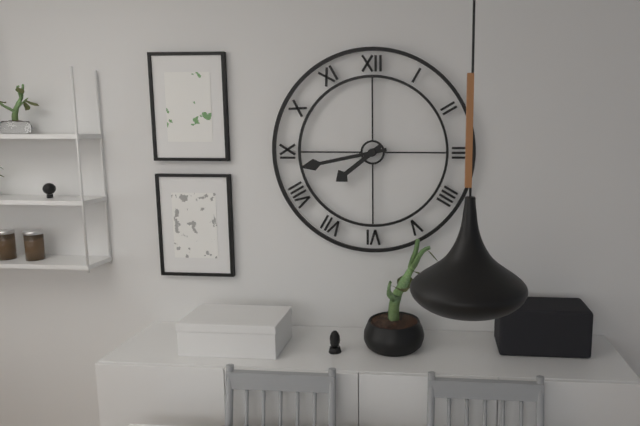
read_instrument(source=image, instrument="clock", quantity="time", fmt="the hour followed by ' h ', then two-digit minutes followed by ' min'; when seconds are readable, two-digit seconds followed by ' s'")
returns 7 h 43 min
